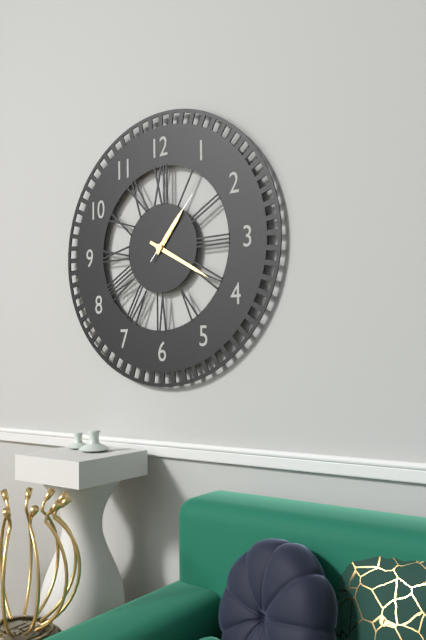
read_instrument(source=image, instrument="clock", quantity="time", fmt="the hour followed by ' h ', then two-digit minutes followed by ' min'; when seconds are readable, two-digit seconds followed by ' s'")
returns 1 h 20 min 07 s
